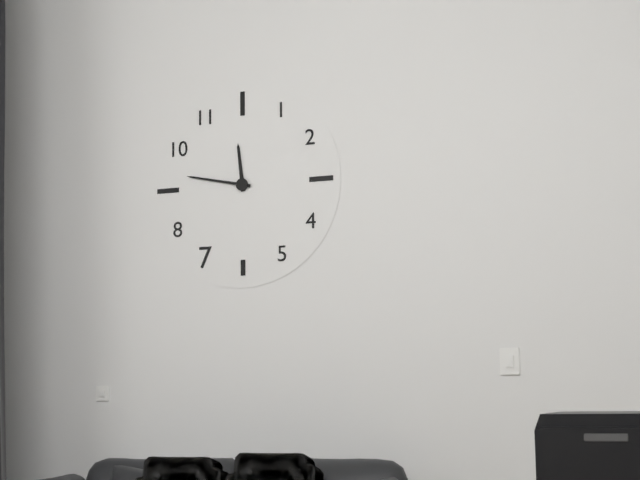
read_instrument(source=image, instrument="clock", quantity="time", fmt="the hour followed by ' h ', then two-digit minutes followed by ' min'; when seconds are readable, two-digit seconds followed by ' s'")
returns 11 h 47 min
